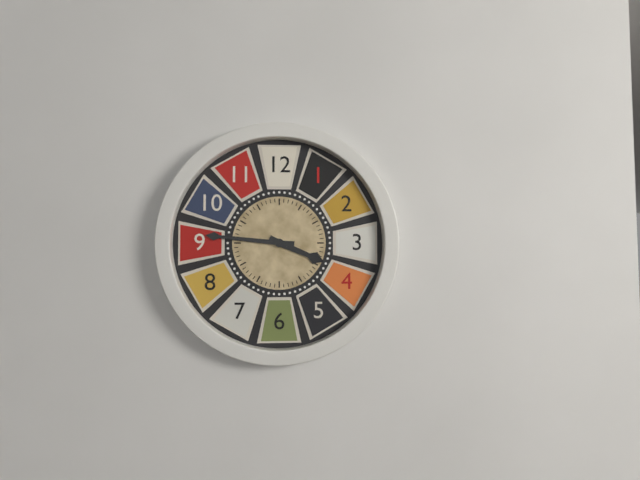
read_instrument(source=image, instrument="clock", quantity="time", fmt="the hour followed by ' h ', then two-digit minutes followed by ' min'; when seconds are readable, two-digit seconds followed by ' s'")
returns 3 h 46 min
